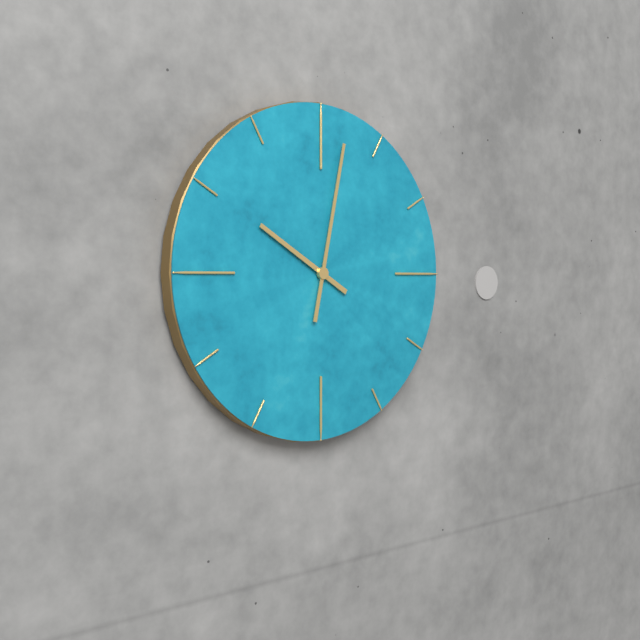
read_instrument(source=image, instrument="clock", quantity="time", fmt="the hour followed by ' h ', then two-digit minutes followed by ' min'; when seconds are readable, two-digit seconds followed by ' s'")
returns 10 h 02 min
